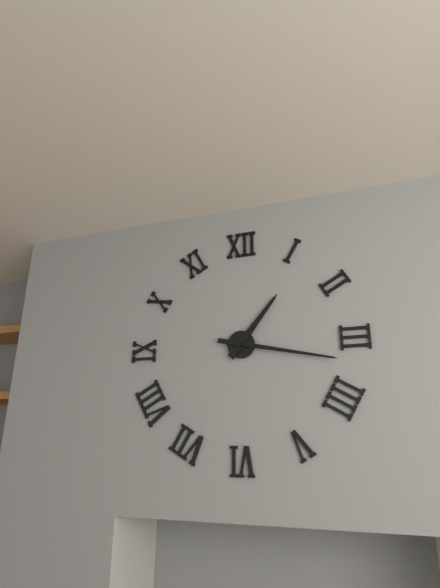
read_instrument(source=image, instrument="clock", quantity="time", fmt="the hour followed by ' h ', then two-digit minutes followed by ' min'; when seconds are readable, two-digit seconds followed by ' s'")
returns 1 h 17 min
